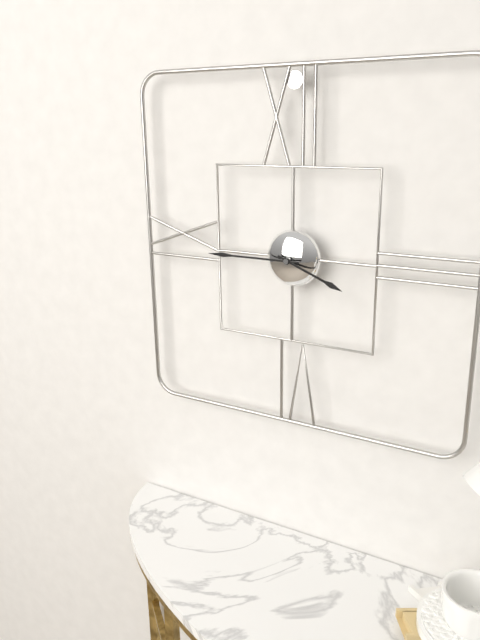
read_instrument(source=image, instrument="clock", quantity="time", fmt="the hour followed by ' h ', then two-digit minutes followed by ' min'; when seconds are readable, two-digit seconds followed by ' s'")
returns 3 h 45 min
